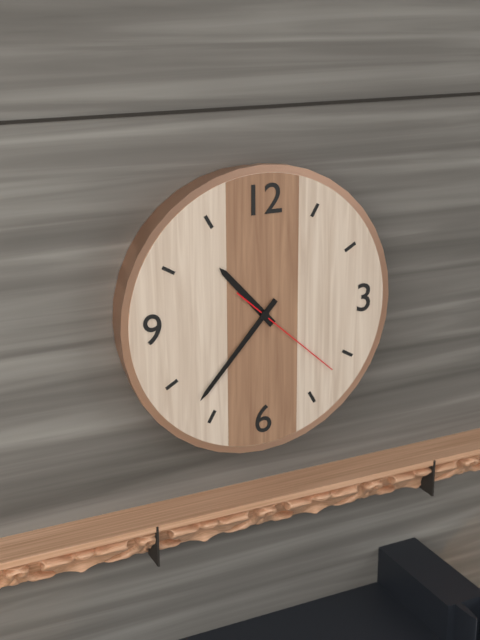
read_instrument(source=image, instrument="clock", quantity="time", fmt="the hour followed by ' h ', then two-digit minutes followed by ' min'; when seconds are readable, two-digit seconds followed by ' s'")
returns 10 h 37 min 22 s
